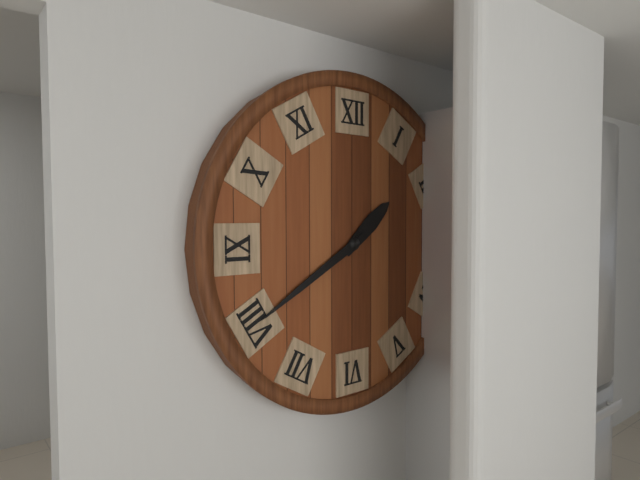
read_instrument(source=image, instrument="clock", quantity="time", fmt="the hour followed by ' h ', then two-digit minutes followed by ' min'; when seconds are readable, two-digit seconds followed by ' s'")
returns 1 h 40 min
